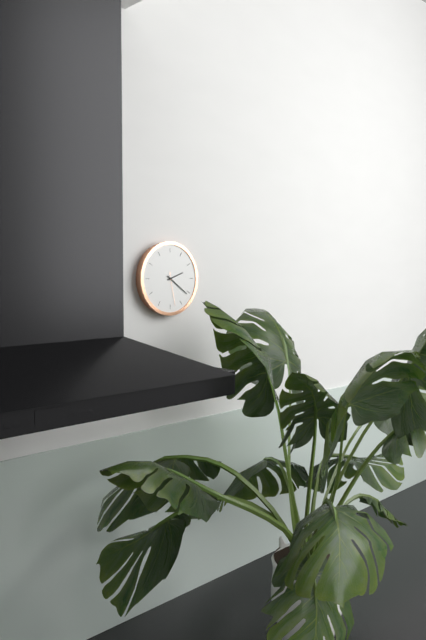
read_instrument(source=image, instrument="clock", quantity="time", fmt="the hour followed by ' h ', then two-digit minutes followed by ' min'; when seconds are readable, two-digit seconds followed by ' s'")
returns 2 h 21 min
